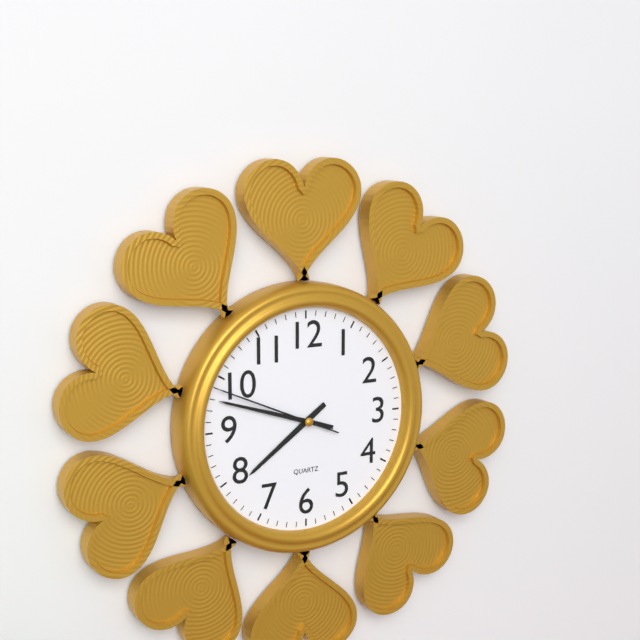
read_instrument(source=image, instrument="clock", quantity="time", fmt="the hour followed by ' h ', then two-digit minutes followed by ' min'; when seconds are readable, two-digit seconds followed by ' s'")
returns 7 h 48 min 49 s
